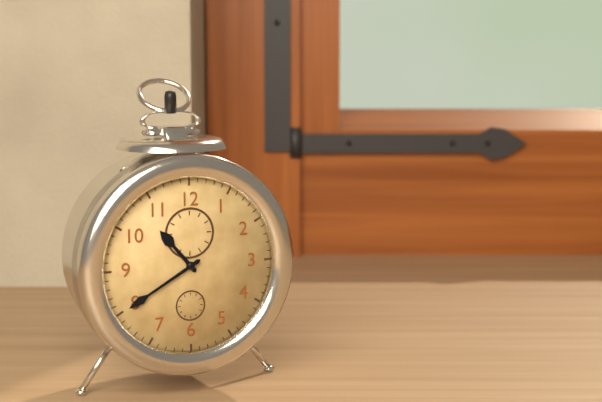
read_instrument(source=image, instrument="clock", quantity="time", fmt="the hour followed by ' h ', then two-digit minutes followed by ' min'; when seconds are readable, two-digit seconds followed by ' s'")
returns 10 h 40 min
